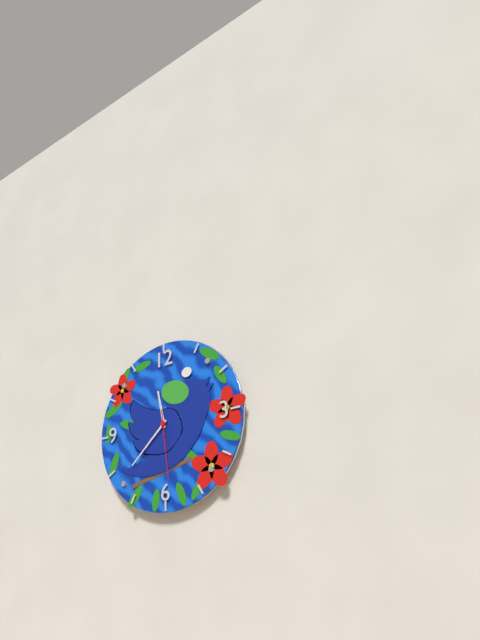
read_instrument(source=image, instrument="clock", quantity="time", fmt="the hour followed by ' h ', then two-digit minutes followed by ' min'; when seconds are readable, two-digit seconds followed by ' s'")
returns 11 h 38 min 29 s
